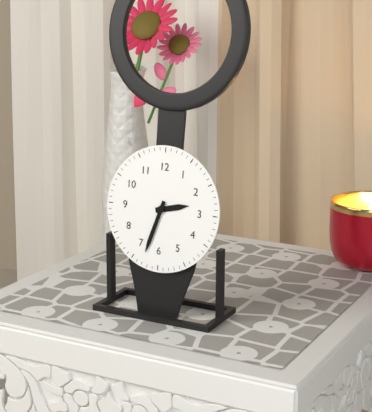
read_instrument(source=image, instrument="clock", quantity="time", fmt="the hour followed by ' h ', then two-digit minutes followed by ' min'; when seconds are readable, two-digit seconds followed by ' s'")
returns 2 h 33 min
